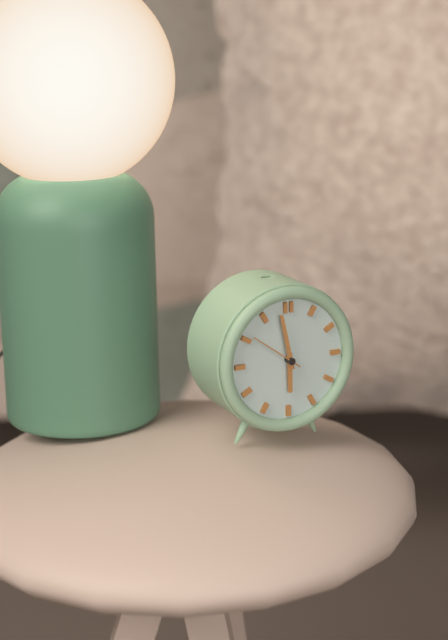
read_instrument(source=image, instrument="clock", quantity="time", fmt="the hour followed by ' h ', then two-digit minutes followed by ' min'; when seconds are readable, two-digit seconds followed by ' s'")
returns 5 h 58 min
